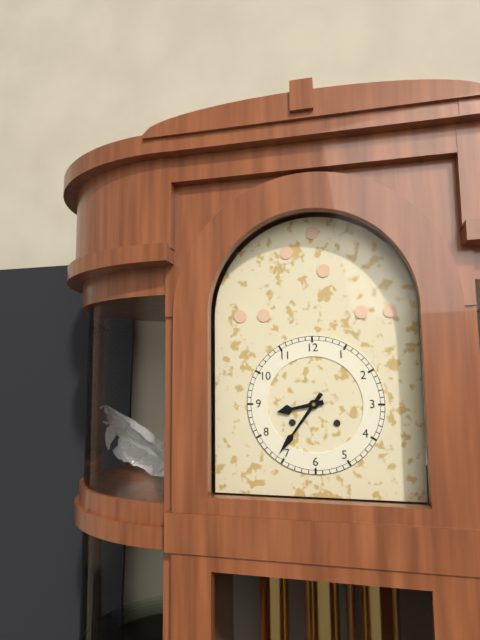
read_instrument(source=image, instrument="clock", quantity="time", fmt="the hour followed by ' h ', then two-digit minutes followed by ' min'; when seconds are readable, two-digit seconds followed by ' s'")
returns 8 h 36 min
